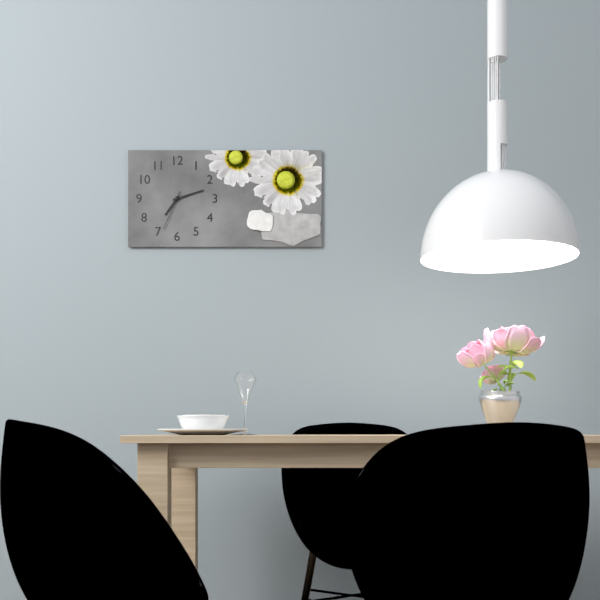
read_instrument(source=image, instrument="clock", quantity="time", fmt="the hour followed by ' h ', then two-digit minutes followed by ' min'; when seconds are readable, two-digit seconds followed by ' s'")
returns 7 h 12 min
